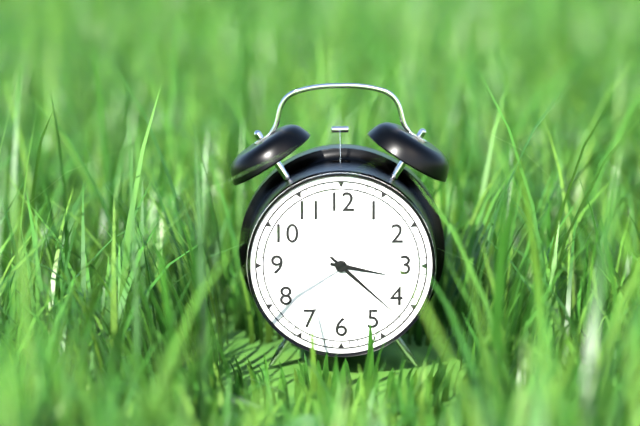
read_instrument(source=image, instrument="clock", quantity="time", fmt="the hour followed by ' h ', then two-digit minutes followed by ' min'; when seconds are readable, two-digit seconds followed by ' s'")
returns 3 h 22 min
